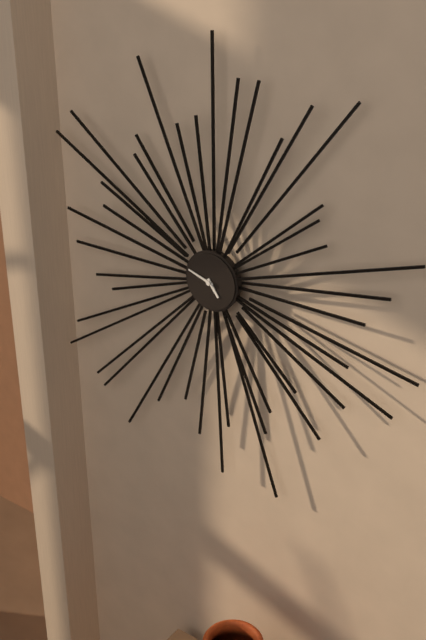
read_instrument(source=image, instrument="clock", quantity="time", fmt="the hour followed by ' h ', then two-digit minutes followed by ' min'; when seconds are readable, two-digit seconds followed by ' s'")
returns 4 h 48 min
